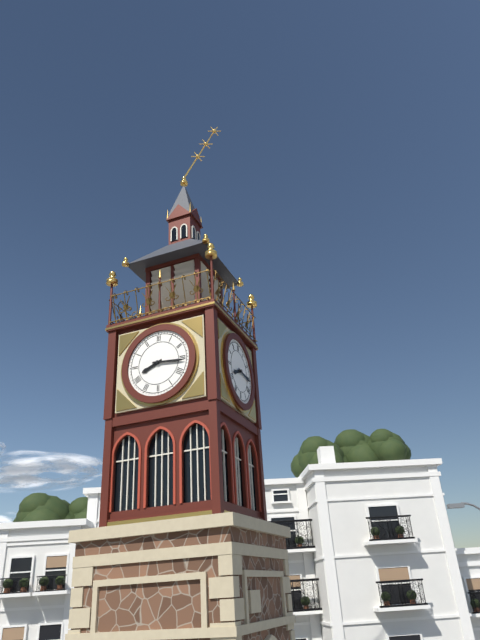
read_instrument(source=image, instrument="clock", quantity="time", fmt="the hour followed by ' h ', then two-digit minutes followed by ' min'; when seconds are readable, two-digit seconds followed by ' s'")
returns 8 h 16 min
